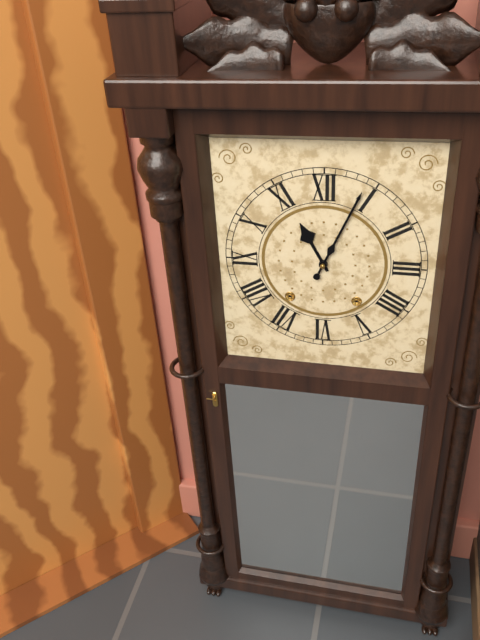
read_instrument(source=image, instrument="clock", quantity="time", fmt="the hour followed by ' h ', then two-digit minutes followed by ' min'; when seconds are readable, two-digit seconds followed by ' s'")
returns 11 h 04 min
